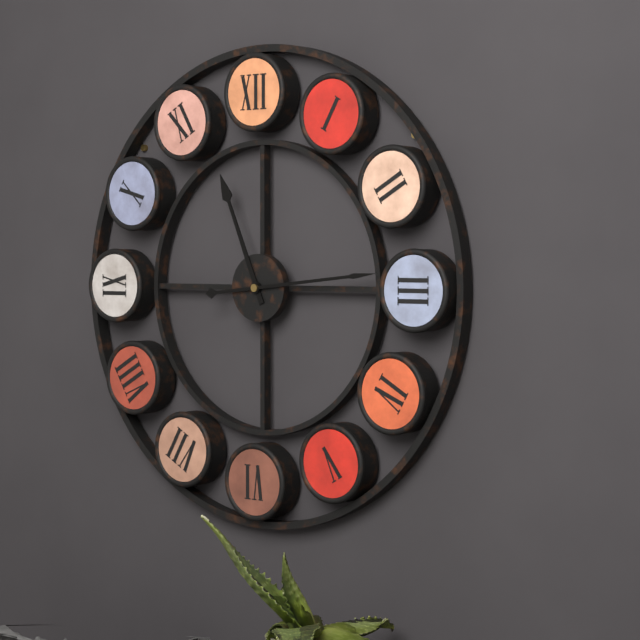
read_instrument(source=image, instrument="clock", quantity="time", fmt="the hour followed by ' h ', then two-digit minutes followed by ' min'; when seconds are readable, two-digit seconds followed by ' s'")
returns 11 h 14 min
